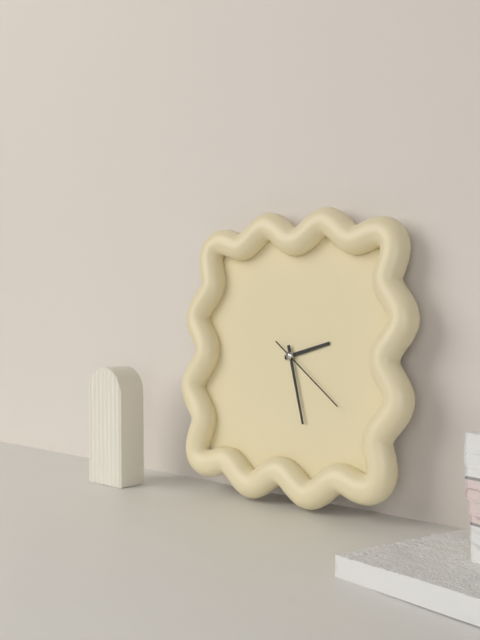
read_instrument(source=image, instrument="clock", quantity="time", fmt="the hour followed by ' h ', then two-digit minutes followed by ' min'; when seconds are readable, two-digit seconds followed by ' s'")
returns 2 h 27 min 21 s
